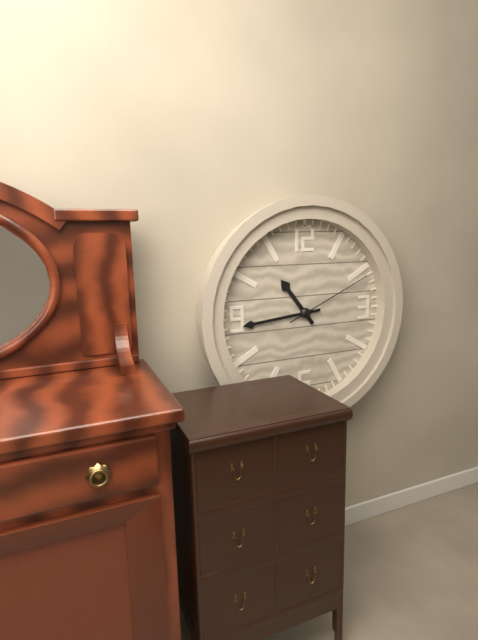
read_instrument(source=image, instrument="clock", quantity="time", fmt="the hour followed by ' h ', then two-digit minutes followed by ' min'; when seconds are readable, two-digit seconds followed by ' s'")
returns 10 h 44 min 11 s
